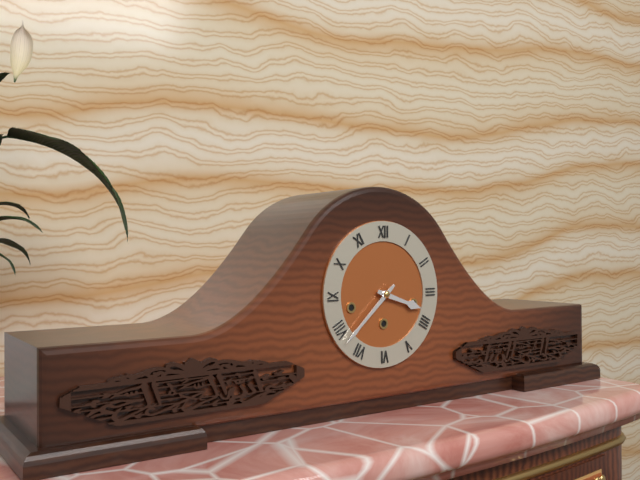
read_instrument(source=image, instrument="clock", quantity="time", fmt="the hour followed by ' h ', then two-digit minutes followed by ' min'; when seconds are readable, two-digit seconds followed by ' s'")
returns 3 h 38 min
